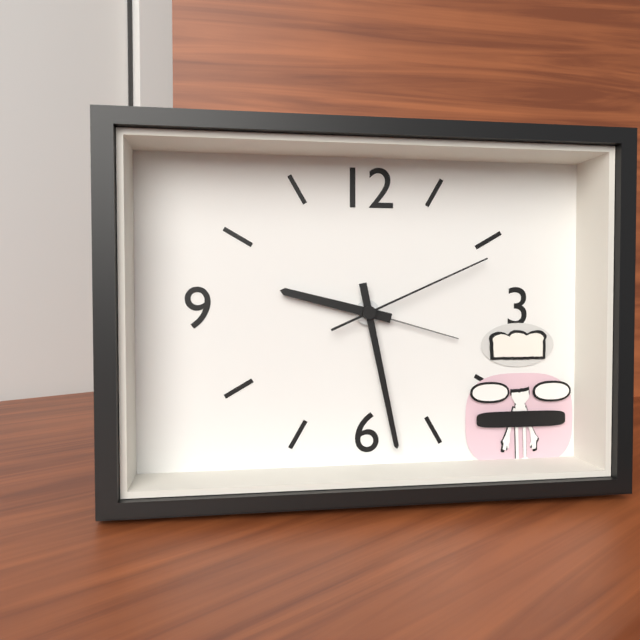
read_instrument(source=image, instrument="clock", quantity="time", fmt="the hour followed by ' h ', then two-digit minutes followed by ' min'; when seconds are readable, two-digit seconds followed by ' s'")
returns 9 h 28 min 11 s
